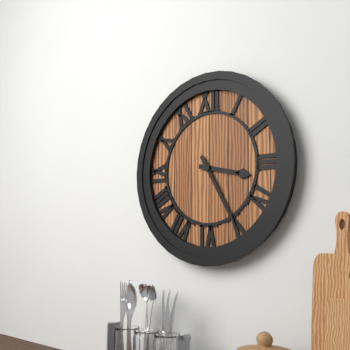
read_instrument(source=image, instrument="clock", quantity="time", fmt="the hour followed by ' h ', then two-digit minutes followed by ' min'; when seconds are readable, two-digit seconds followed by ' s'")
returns 3 h 25 min
